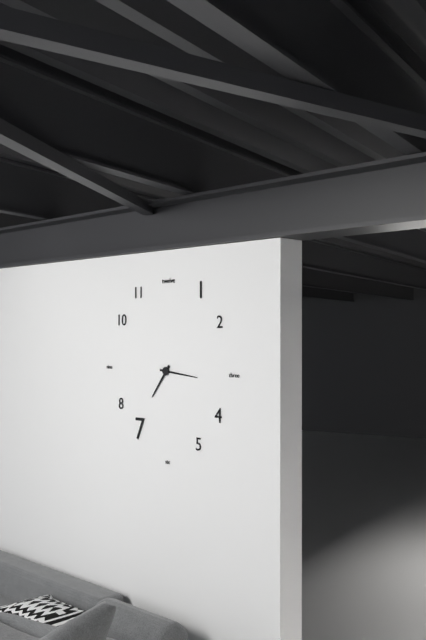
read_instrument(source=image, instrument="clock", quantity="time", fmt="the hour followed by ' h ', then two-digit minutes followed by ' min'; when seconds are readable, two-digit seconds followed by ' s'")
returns 7 h 16 min
